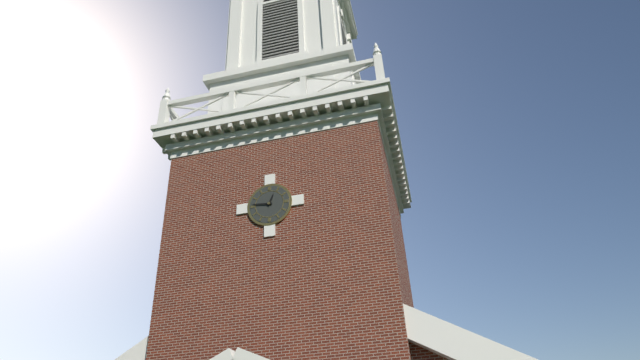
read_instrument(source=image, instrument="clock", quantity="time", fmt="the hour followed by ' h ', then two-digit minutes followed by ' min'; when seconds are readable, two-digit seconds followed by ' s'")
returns 12 h 46 min
